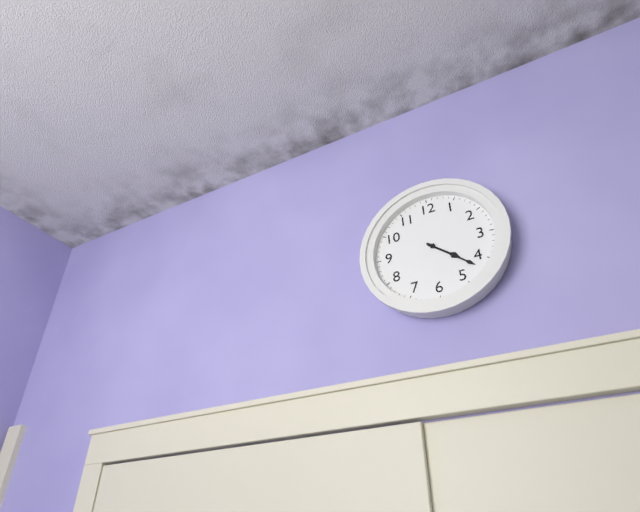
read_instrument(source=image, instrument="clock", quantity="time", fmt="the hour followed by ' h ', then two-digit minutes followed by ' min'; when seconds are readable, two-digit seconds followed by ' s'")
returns 4 h 22 min
